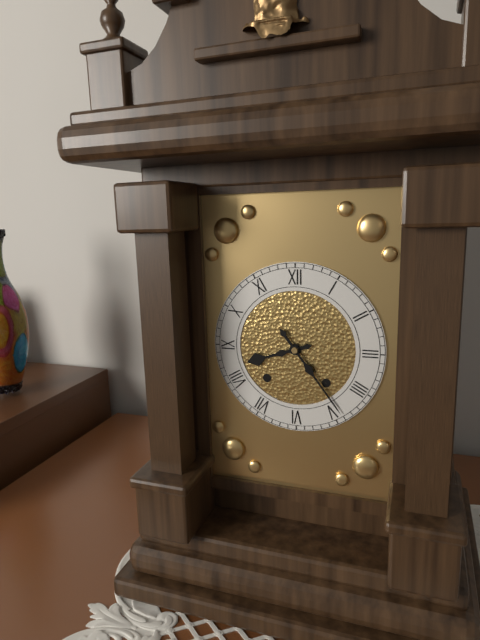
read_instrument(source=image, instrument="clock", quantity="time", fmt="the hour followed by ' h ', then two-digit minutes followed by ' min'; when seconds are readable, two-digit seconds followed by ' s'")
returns 8 h 24 min
